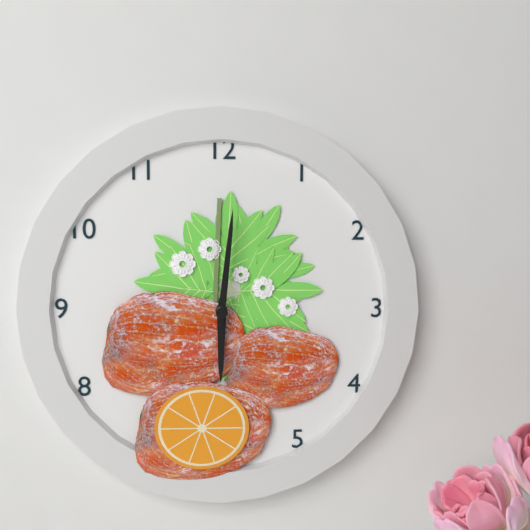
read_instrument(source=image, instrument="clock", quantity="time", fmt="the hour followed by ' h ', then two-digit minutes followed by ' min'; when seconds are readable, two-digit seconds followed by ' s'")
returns 6 h 01 min
